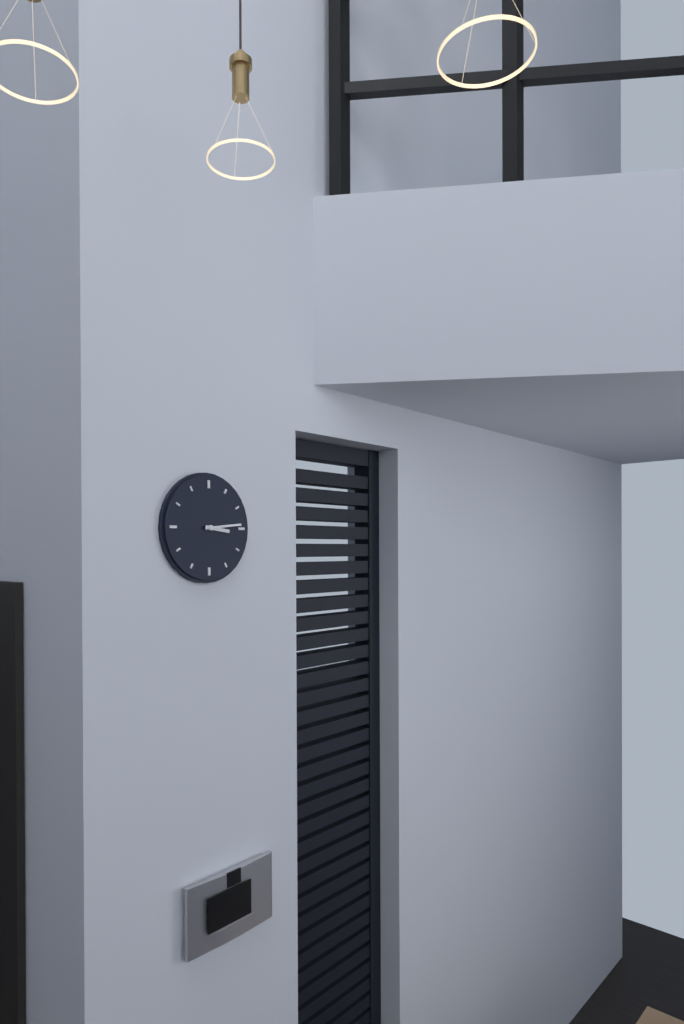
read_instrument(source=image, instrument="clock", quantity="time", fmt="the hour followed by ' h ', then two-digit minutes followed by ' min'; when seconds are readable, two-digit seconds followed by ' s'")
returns 3 h 14 min
